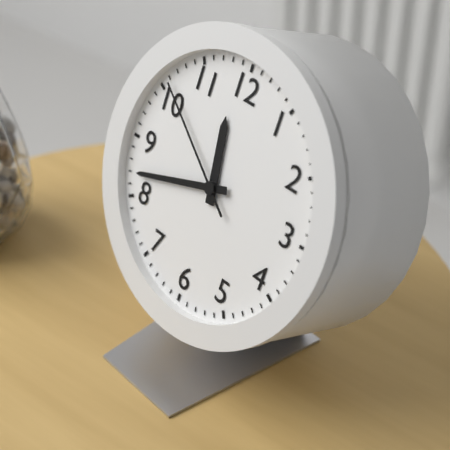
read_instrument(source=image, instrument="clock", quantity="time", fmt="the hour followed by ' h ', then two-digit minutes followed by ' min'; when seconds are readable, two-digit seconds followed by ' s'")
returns 11 h 42 min 51 s
